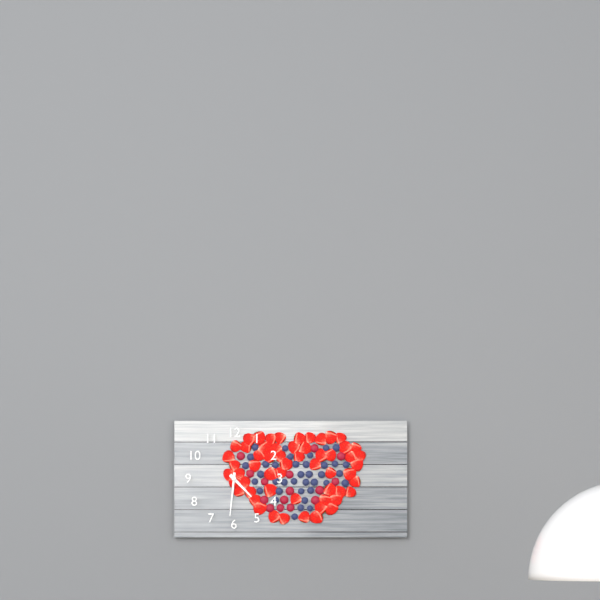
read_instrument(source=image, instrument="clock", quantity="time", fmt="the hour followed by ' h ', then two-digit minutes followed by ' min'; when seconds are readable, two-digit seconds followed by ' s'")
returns 4 h 31 min
